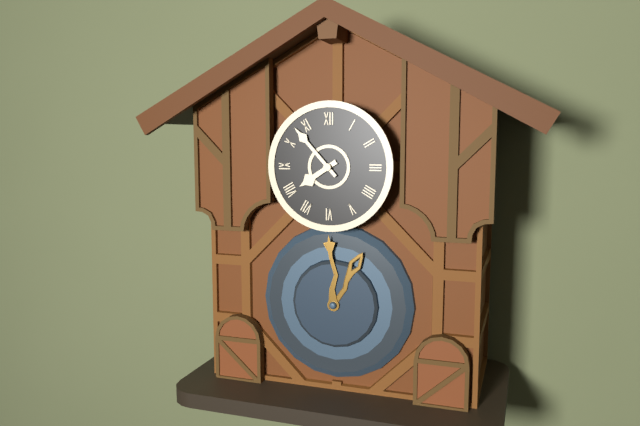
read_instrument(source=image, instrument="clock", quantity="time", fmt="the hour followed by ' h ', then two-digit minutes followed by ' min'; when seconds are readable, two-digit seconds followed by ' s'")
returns 7 h 53 min
